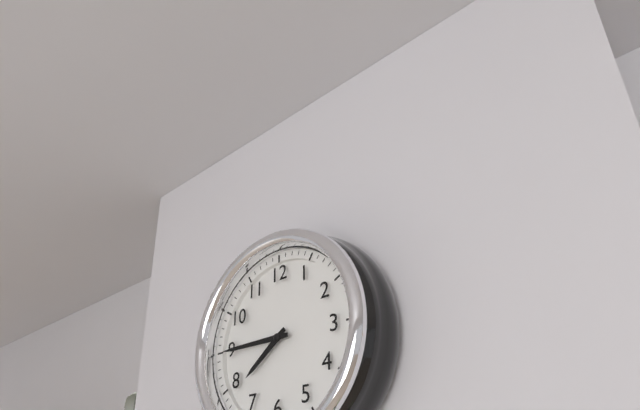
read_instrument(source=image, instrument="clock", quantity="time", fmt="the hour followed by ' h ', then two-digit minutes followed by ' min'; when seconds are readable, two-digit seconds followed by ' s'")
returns 7 h 45 min
